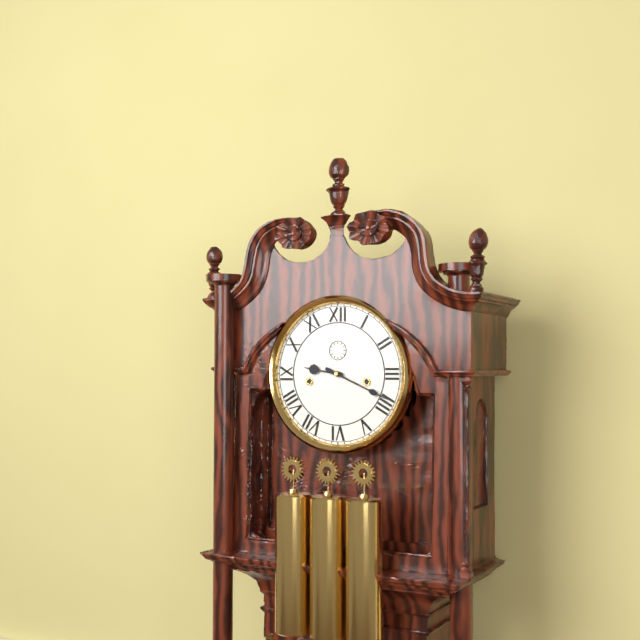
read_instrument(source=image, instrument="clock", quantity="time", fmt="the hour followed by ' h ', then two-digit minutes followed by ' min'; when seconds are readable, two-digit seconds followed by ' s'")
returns 9 h 19 min
